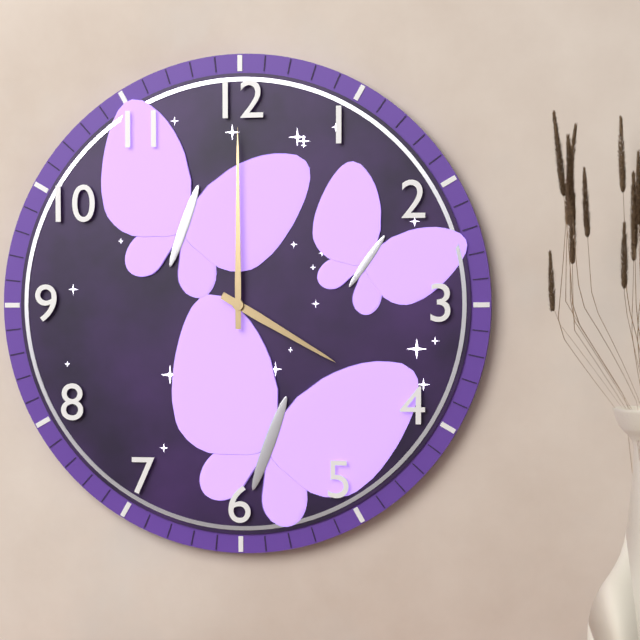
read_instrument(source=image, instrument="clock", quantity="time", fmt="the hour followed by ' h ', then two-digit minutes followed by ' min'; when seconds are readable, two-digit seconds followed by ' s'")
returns 4 h 00 min
